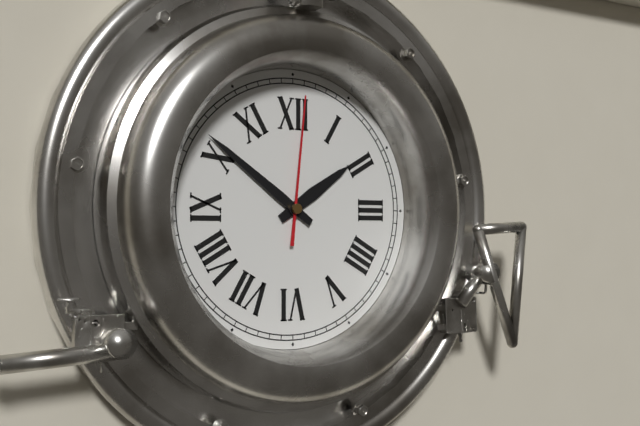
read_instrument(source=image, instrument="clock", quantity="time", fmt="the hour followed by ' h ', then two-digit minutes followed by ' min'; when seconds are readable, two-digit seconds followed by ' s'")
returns 1 h 51 min 01 s
